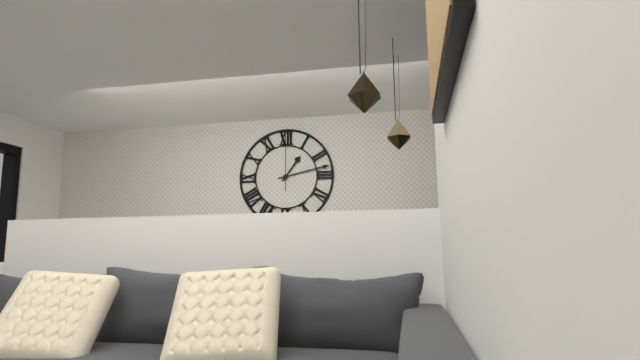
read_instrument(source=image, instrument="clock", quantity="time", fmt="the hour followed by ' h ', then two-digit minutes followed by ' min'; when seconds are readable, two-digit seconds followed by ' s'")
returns 1 h 13 min 00 s
